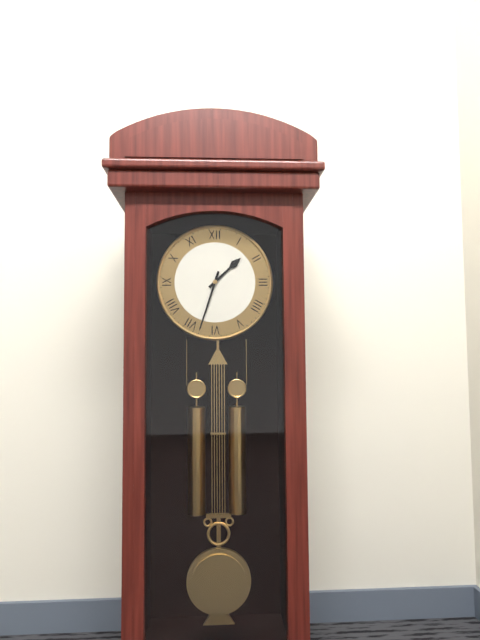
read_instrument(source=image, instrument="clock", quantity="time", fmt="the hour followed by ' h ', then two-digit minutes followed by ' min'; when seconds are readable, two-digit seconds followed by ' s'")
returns 1 h 33 min
